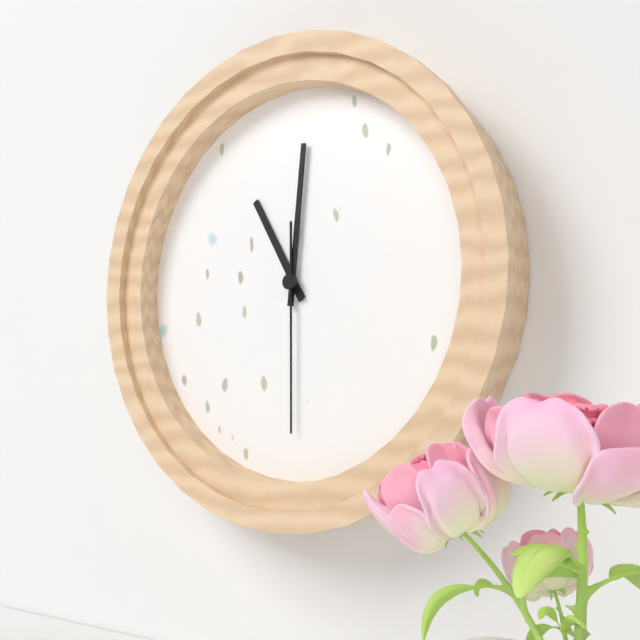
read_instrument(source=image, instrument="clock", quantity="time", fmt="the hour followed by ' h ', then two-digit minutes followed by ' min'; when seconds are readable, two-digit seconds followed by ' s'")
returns 11 h 01 min 30 s
